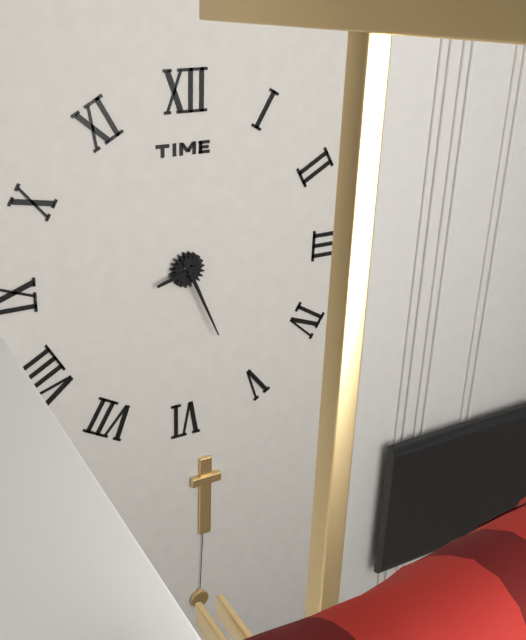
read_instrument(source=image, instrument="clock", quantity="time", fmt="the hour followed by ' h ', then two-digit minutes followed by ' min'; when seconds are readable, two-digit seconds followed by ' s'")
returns 8 h 26 min
